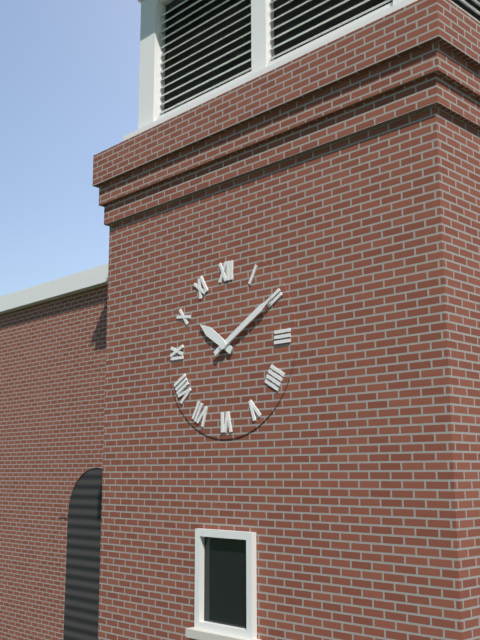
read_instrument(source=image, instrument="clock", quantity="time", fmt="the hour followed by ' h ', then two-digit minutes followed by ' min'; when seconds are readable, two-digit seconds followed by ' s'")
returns 10 h 10 min
